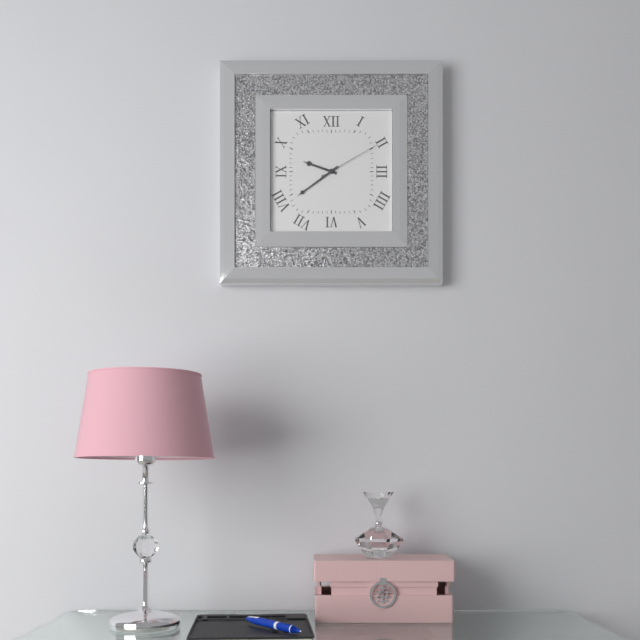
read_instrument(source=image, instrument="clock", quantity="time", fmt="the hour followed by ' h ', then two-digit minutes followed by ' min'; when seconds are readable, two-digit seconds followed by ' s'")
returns 9 h 39 min 10 s
